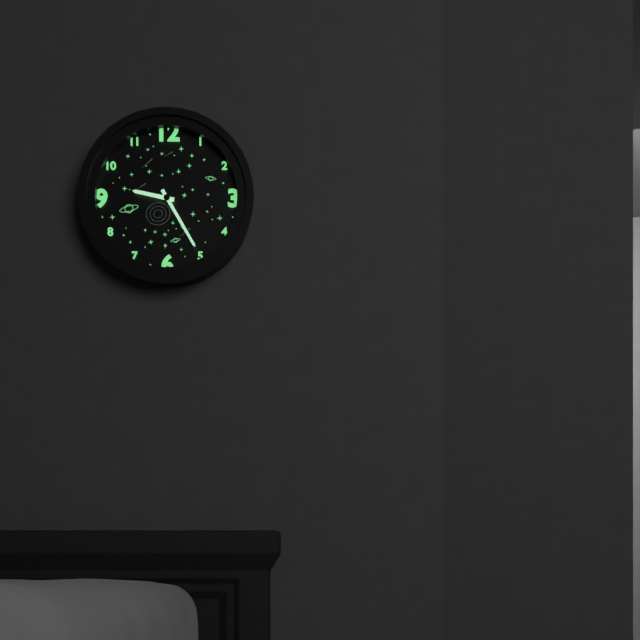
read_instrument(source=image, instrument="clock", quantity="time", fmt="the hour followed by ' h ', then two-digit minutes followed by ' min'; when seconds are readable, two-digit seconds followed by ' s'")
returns 9 h 25 min
